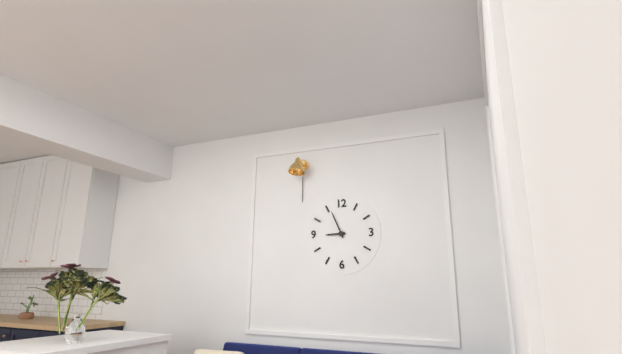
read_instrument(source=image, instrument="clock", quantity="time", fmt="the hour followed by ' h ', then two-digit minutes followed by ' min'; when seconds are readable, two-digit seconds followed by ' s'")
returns 8 h 56 min
